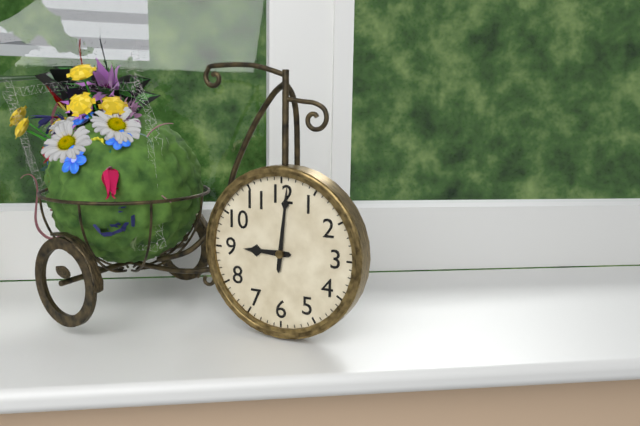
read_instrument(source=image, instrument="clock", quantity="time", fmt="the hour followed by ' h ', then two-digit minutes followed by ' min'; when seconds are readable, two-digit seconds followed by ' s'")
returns 9 h 01 min
